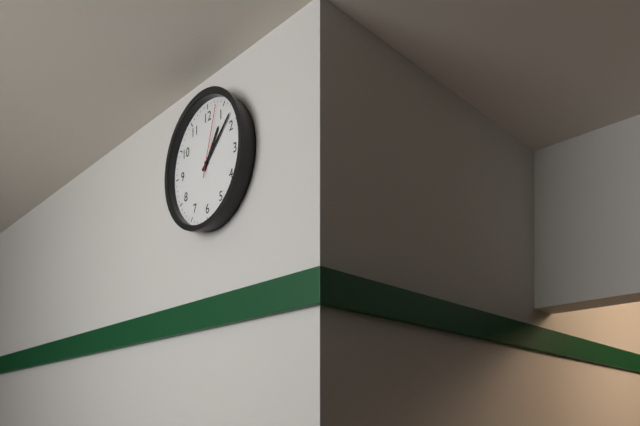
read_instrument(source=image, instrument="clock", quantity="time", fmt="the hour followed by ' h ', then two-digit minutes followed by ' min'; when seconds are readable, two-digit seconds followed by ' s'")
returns 1 h 08 min 03 s
